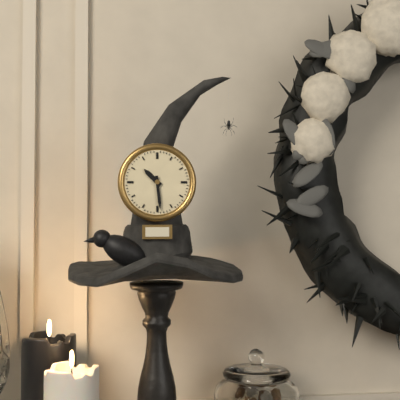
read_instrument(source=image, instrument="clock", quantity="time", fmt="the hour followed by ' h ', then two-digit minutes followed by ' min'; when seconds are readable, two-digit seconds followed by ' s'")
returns 10 h 29 min
